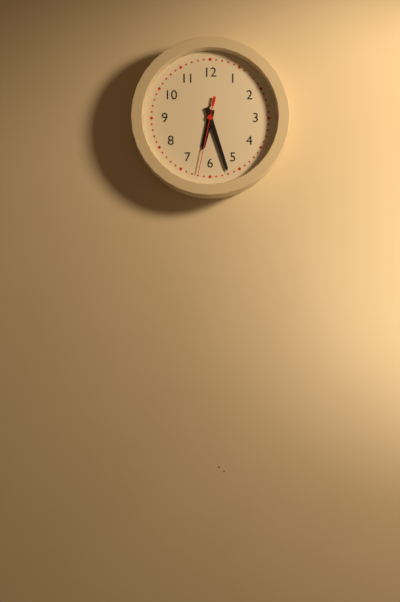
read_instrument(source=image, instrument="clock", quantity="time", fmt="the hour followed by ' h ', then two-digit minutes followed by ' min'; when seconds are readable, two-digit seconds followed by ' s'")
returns 6 h 27 min 32 s
